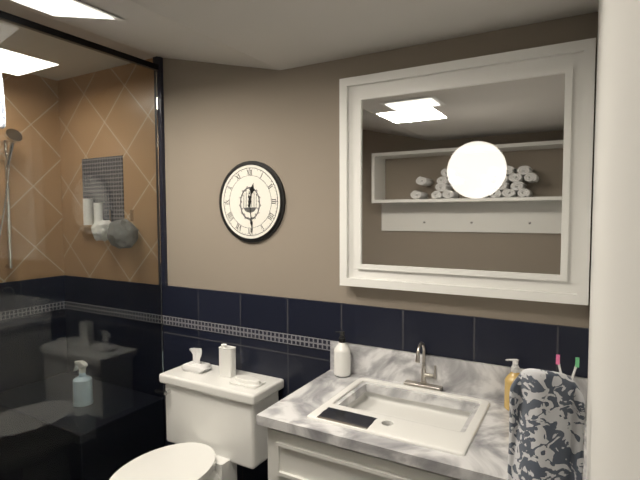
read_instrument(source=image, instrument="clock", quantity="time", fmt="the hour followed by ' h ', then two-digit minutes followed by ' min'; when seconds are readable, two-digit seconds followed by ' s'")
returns 12 h 29 min
